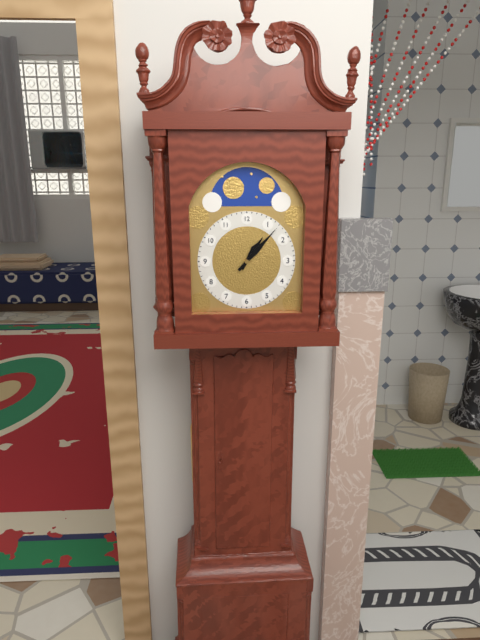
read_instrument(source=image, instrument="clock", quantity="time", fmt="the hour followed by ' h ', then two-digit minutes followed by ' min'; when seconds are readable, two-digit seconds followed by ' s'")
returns 1 h 07 min
